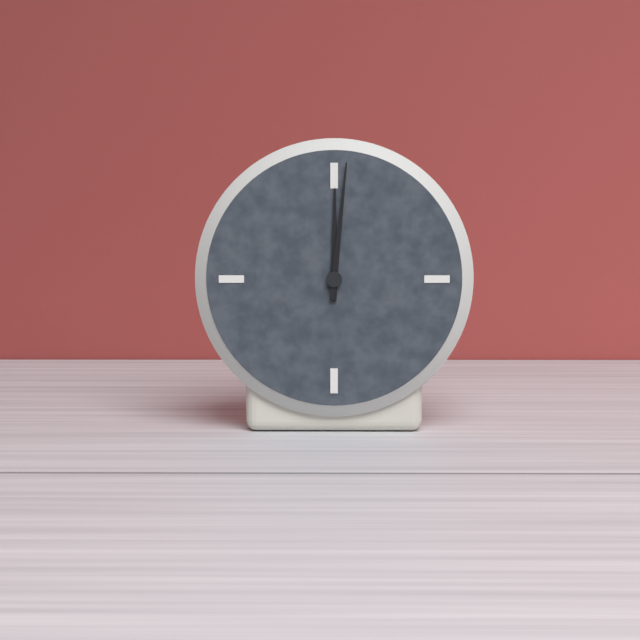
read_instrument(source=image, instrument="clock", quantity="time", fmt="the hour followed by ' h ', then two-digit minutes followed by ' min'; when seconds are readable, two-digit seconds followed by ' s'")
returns 12 h 01 min
